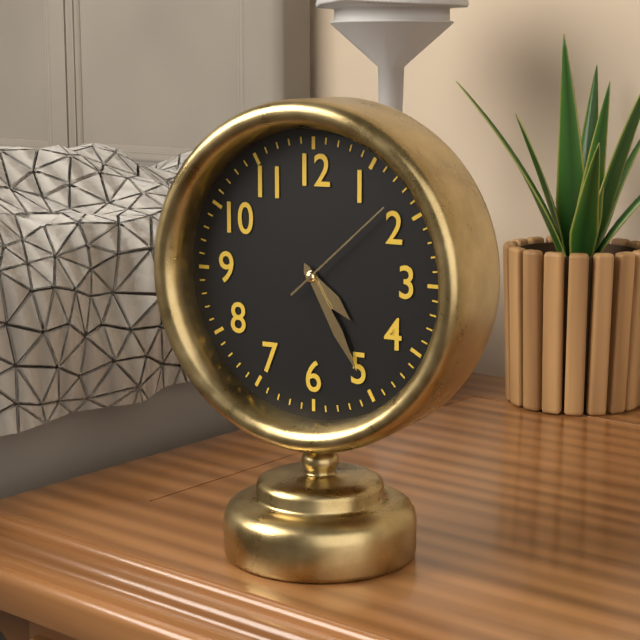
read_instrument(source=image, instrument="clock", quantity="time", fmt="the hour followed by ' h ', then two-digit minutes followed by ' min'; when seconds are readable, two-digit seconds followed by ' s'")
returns 4 h 25 min 08 s
